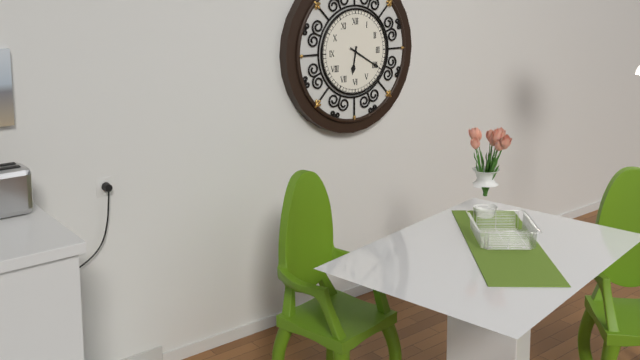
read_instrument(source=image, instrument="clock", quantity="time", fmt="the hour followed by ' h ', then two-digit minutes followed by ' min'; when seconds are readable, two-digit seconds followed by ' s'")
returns 6 h 20 min
